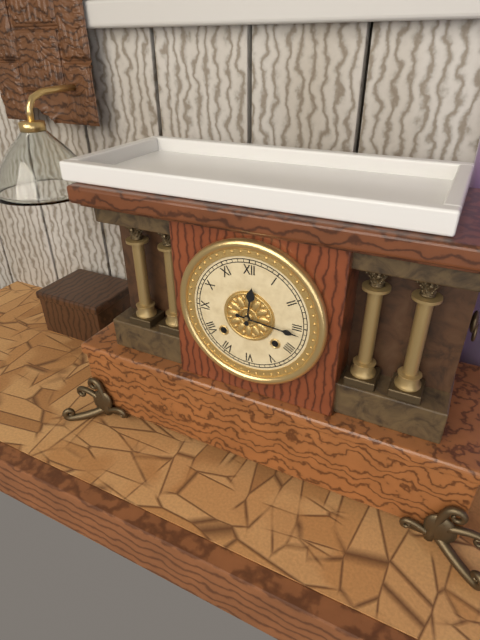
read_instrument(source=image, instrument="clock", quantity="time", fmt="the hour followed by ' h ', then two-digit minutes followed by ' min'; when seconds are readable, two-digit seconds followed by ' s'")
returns 12 h 16 min
